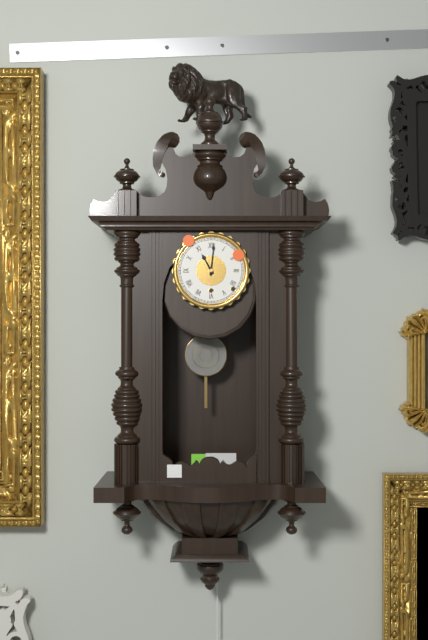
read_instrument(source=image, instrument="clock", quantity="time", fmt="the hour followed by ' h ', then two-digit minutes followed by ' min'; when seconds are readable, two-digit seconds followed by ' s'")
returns 11 h 01 min
